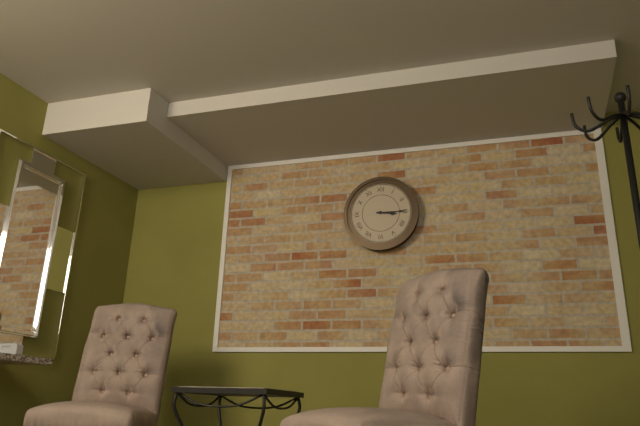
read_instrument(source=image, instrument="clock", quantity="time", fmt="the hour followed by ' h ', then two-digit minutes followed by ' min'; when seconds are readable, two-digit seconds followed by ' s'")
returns 3 h 15 min
